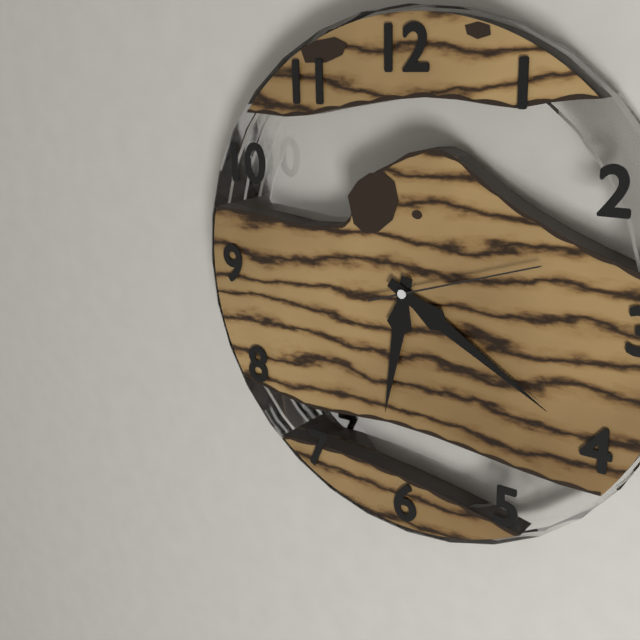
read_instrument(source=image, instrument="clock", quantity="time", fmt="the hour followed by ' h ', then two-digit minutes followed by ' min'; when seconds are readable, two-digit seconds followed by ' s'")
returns 6 h 20 min 12 s
